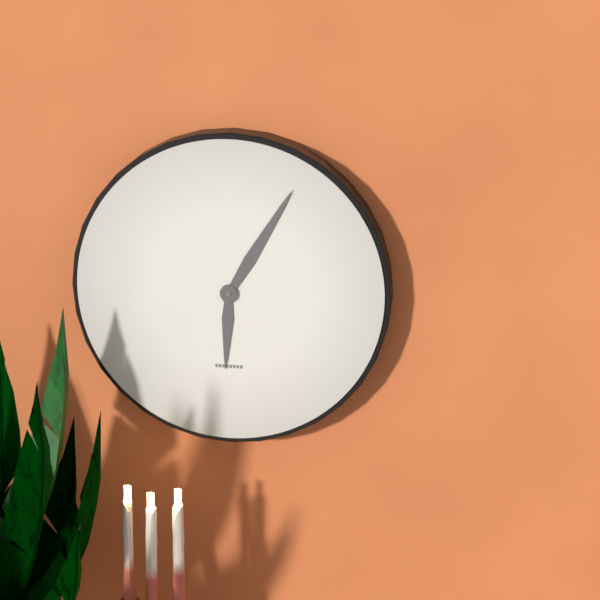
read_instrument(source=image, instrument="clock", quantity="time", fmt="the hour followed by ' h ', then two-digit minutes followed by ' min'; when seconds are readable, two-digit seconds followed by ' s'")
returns 6 h 05 min
